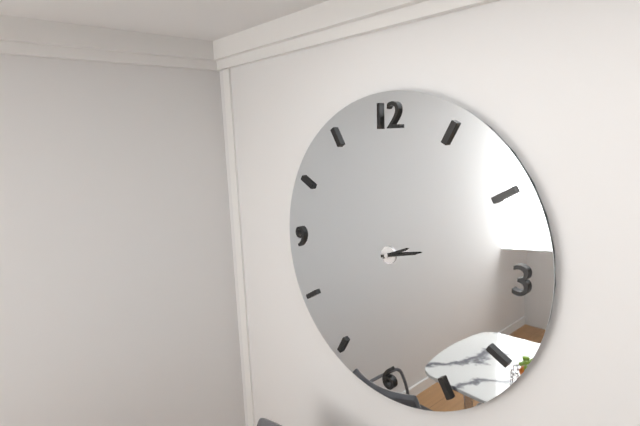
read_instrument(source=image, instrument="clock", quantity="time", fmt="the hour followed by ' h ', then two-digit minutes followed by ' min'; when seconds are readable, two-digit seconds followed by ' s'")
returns 2 h 13 min
